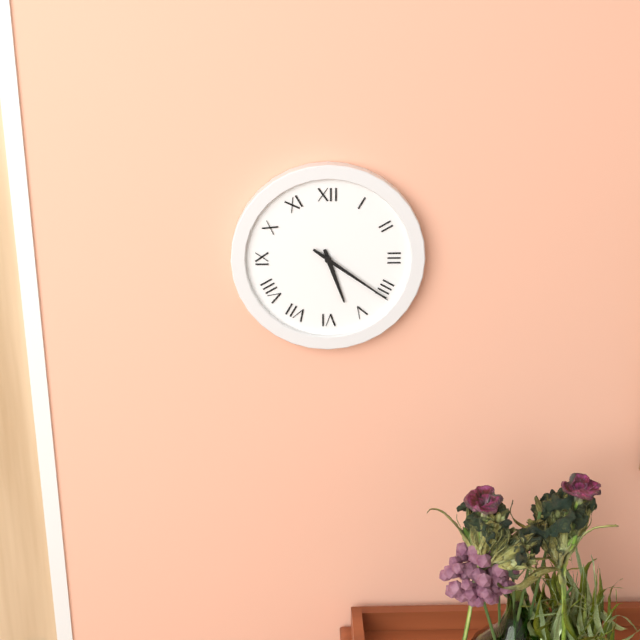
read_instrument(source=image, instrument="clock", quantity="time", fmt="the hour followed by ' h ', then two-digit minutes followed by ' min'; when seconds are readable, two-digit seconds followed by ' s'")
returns 5 h 21 min
